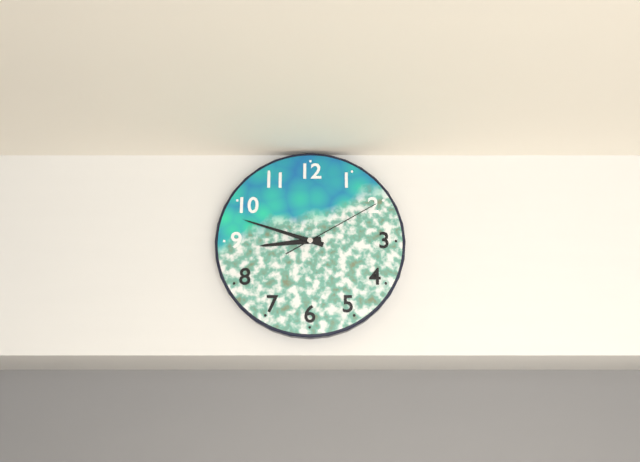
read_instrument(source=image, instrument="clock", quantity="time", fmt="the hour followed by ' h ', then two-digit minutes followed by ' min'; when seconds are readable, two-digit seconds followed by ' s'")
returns 8 h 48 min 10 s
